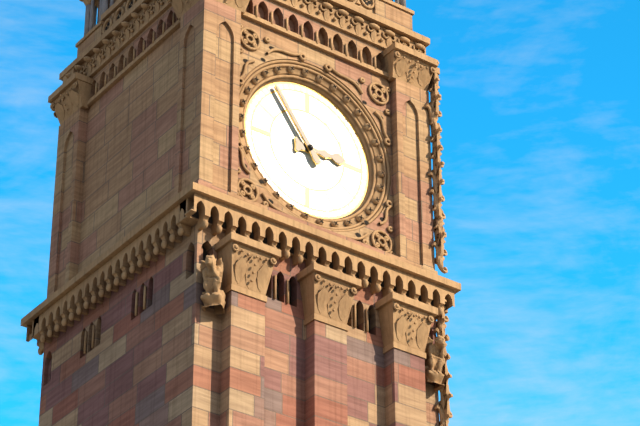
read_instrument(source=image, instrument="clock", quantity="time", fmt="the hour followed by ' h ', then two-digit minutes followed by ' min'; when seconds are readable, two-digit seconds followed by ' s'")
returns 2 h 54 min
